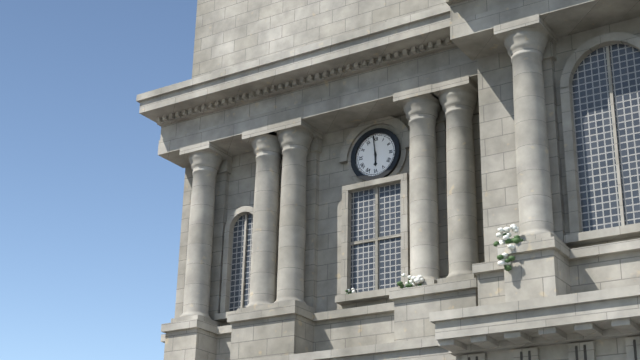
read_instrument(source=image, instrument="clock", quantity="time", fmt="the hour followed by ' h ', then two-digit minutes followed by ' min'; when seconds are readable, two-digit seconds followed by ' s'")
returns 5 h 59 min
